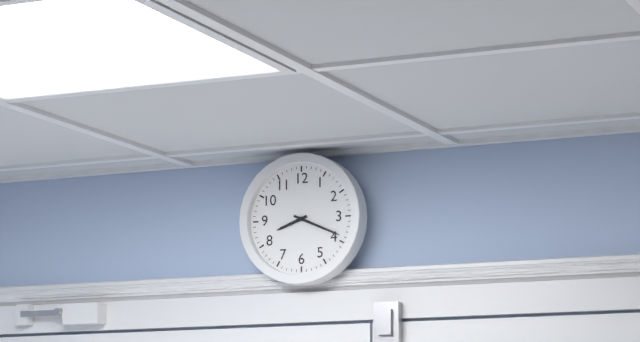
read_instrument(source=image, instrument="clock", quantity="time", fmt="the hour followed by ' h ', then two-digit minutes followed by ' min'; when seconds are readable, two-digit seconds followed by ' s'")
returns 8 h 19 min
